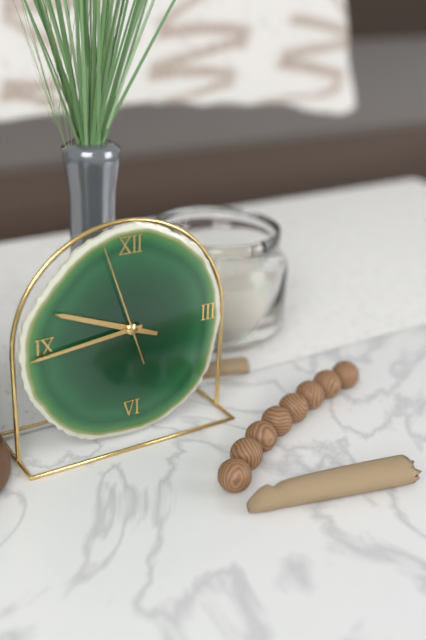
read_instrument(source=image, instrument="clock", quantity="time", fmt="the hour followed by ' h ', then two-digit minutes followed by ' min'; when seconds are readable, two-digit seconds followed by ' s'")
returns 9 h 44 min 57 s
